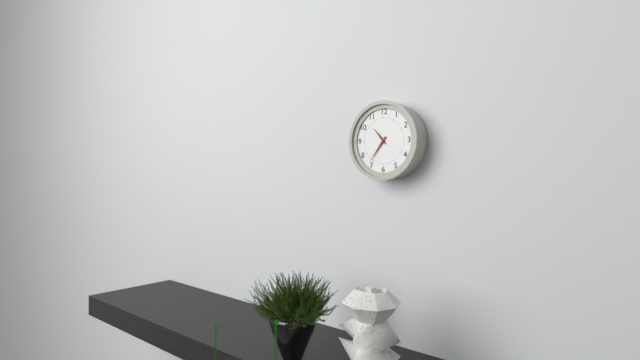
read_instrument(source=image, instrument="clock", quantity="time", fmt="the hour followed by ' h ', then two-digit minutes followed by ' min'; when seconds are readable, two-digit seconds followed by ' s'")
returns 10 h 36 min
